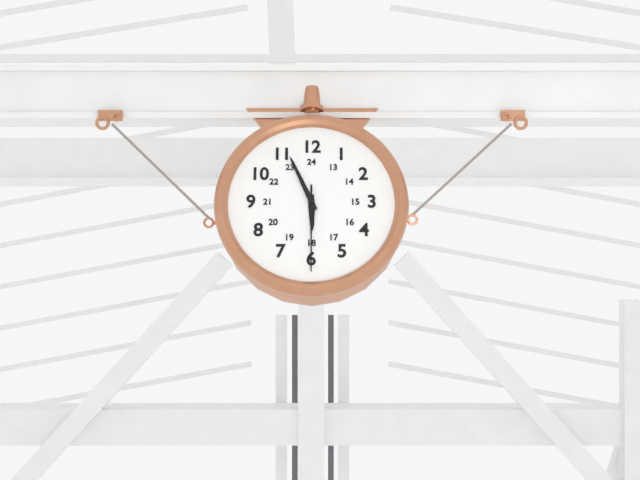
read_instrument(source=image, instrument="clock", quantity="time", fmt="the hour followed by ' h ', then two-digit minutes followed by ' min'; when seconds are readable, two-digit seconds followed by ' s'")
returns 5 h 56 min 30 s
